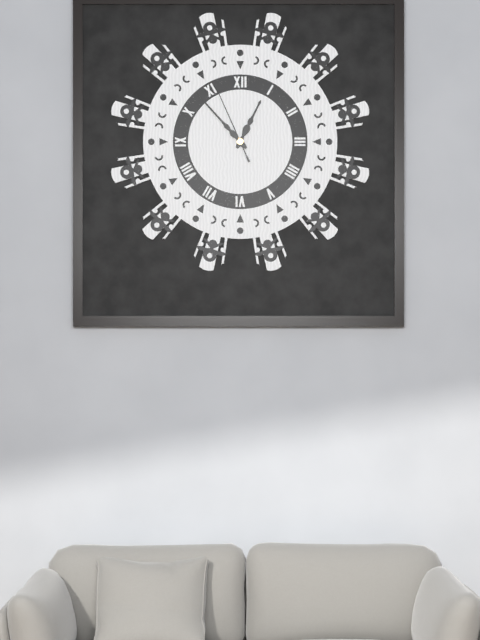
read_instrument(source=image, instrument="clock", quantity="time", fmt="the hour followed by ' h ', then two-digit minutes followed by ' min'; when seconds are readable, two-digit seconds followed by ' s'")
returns 12 h 53 min 56 s
